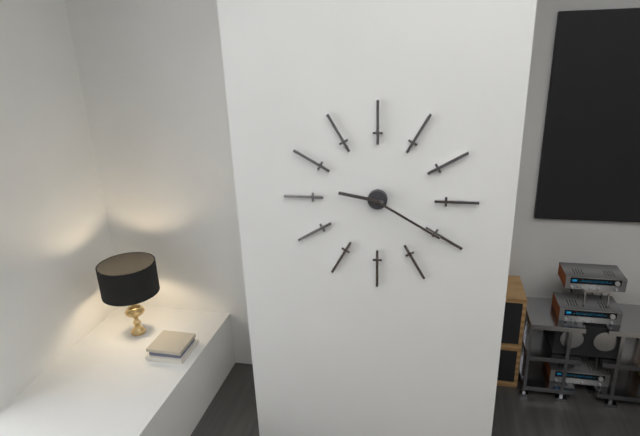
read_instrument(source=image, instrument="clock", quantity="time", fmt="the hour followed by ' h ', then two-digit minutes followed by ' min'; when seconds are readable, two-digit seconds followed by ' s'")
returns 9 h 20 min
